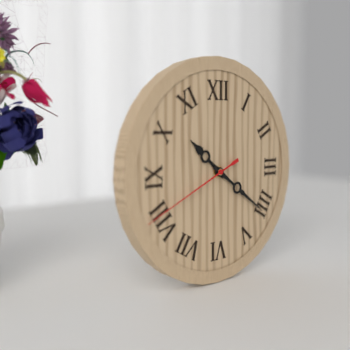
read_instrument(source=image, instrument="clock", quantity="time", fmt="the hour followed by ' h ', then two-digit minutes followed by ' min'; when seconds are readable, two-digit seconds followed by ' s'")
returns 10 h 21 min 41 s
